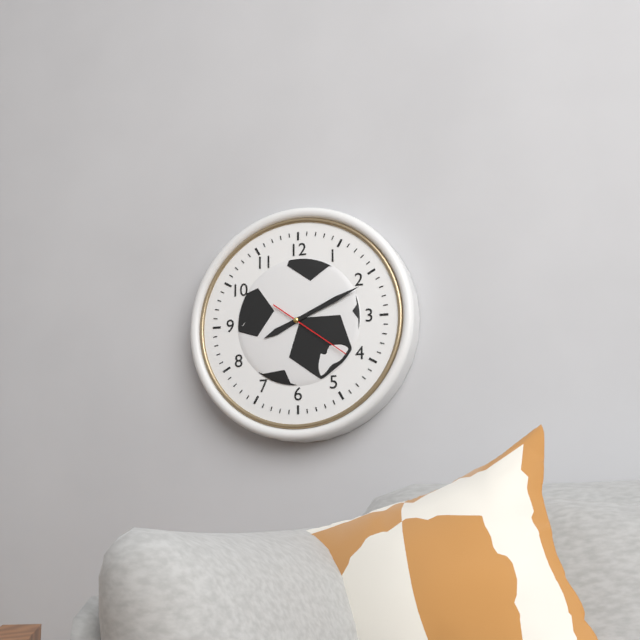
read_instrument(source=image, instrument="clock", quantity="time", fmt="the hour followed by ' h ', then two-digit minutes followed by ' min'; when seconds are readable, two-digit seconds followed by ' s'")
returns 8 h 11 min 21 s
